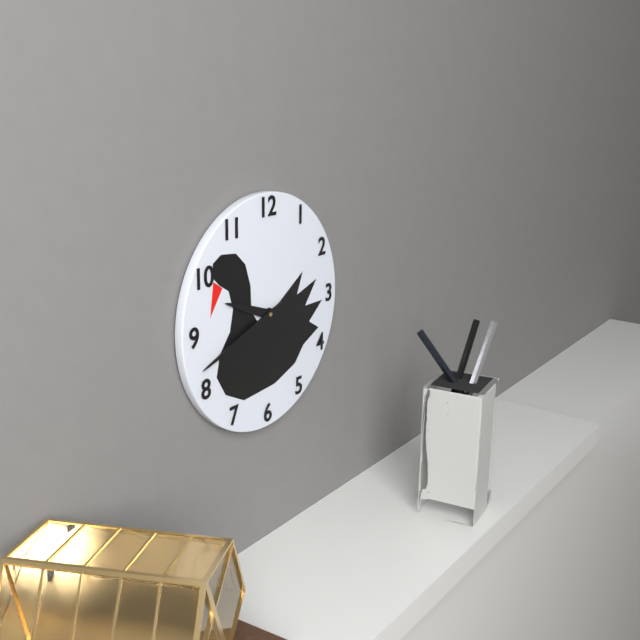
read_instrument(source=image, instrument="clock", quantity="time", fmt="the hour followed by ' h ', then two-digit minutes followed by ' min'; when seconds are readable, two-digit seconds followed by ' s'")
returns 9 h 42 min
